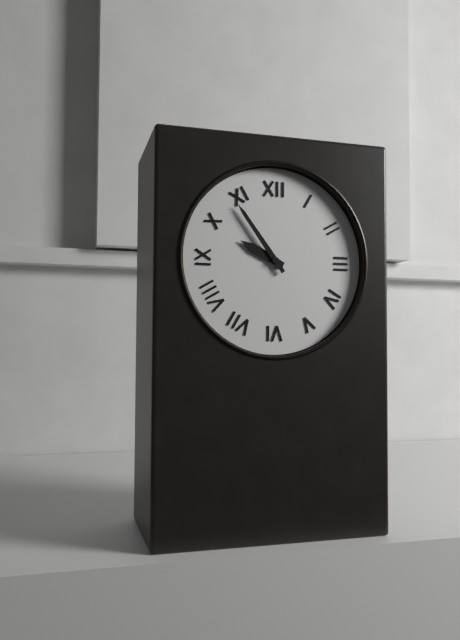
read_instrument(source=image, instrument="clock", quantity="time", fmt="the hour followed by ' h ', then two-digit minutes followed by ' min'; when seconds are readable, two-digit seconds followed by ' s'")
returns 9 h 54 min
